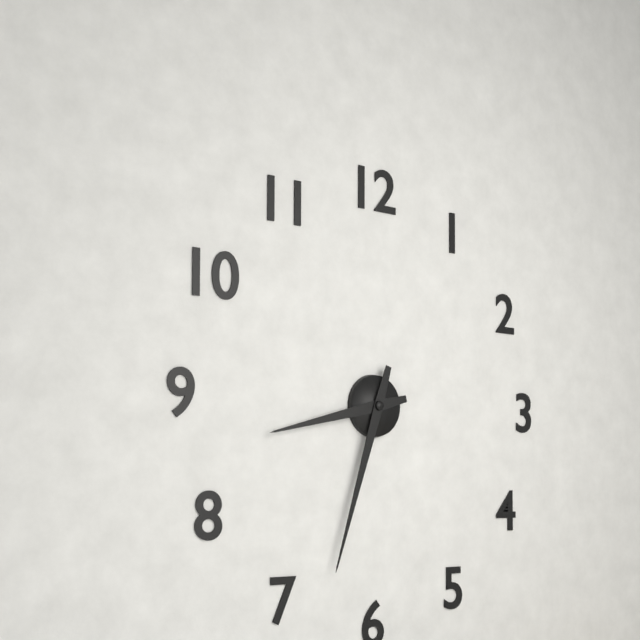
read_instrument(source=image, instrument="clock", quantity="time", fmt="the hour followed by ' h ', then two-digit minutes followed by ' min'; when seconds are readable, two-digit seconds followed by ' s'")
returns 8 h 33 min
